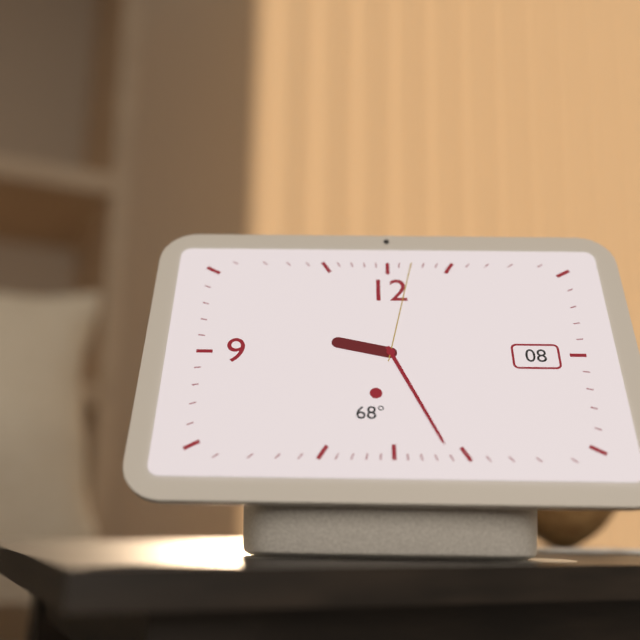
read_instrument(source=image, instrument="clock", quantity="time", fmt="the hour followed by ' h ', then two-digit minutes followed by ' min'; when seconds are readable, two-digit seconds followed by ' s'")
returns 9 h 26 min 02 s
